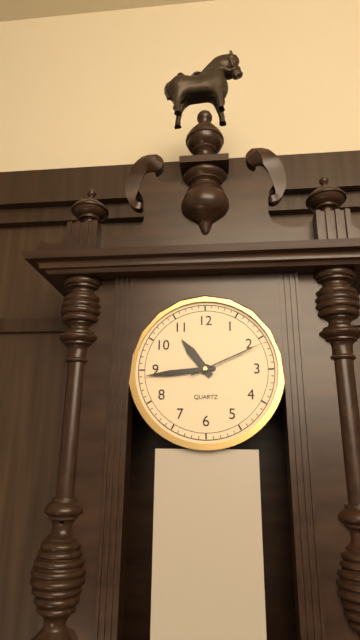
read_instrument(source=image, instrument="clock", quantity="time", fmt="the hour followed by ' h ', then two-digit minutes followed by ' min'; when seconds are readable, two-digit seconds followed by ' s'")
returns 10 h 44 min 11 s
